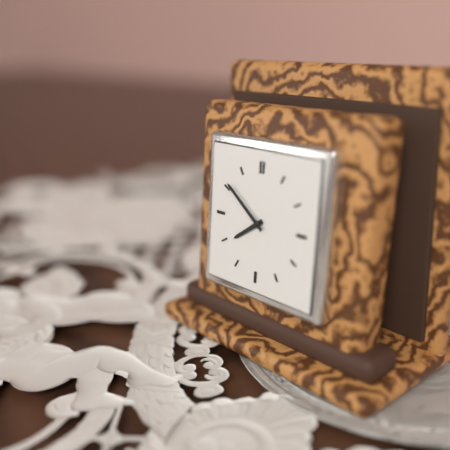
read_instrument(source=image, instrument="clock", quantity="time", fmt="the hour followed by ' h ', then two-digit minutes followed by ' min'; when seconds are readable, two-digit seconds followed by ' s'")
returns 7 h 51 min
